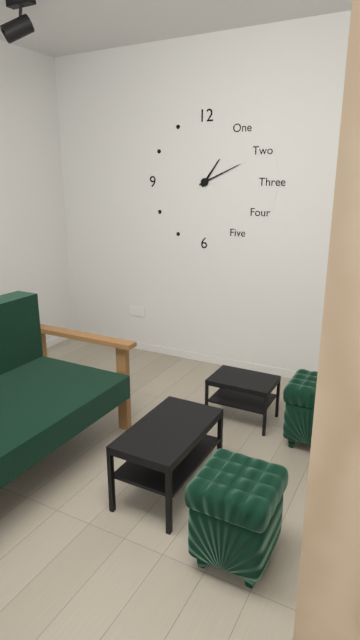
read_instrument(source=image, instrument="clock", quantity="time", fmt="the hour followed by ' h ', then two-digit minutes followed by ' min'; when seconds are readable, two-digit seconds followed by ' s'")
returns 1 h 11 min
